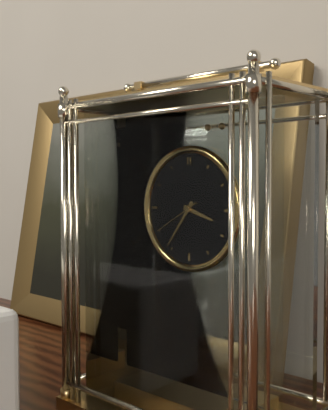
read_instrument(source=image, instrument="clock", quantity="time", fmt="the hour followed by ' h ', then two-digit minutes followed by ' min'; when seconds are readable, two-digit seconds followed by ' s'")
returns 3 h 36 min
